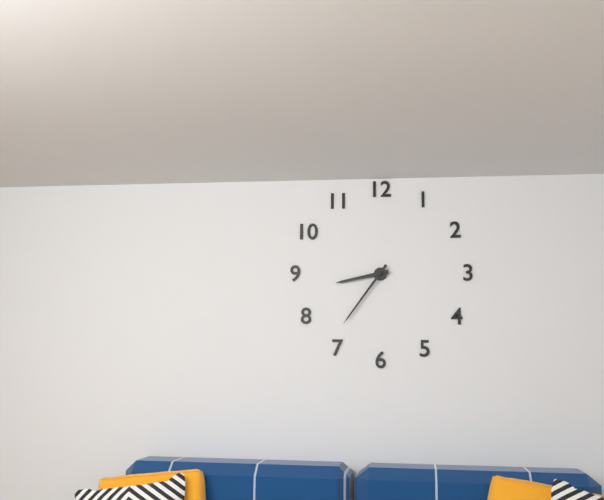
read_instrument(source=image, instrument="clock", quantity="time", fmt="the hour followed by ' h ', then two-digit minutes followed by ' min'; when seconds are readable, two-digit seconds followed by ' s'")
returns 8 h 36 min
